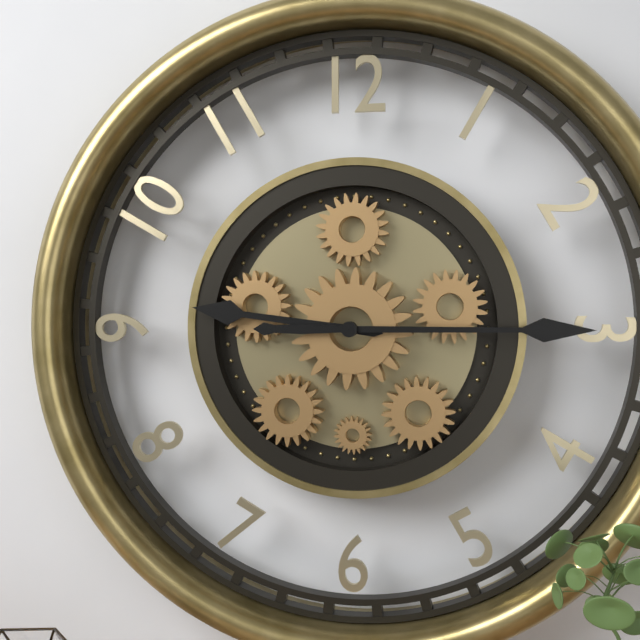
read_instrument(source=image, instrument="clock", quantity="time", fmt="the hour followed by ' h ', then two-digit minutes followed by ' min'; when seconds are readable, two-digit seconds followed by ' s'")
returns 9 h 15 min
